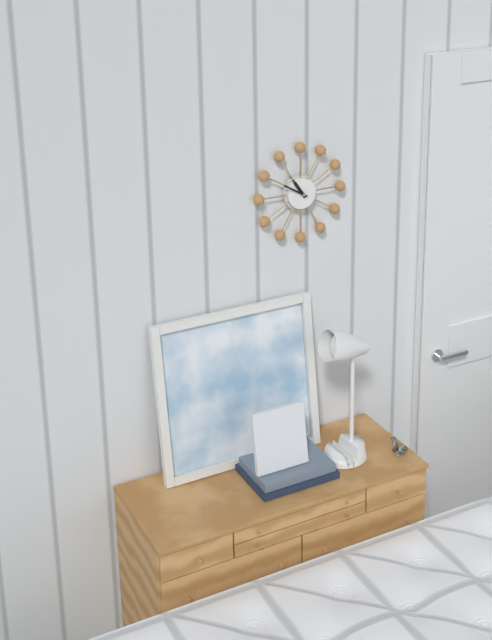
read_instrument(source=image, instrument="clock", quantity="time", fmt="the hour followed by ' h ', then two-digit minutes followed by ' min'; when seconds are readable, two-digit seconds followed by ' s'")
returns 10 h 50 min
